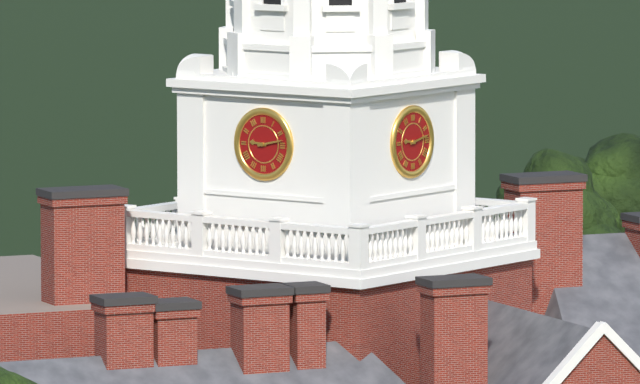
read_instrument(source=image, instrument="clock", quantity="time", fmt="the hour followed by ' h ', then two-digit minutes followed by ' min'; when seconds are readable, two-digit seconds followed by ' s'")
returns 9 h 13 min
